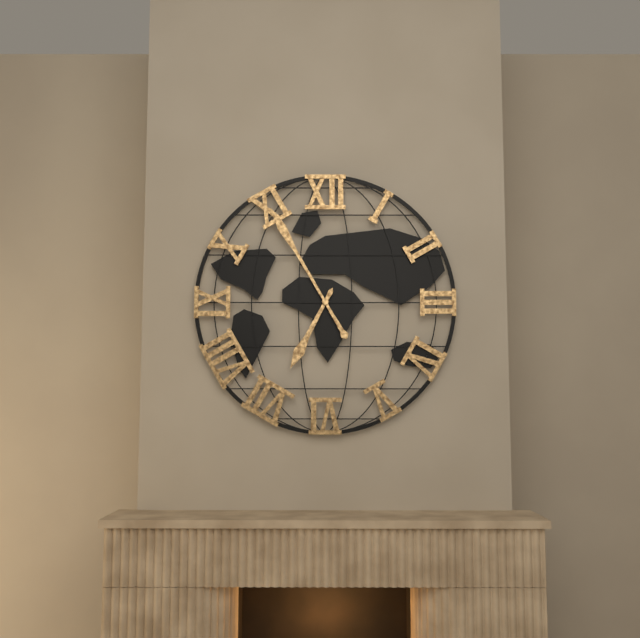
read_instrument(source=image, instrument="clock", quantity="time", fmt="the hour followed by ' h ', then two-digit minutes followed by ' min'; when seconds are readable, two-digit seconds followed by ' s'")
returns 6 h 55 min
